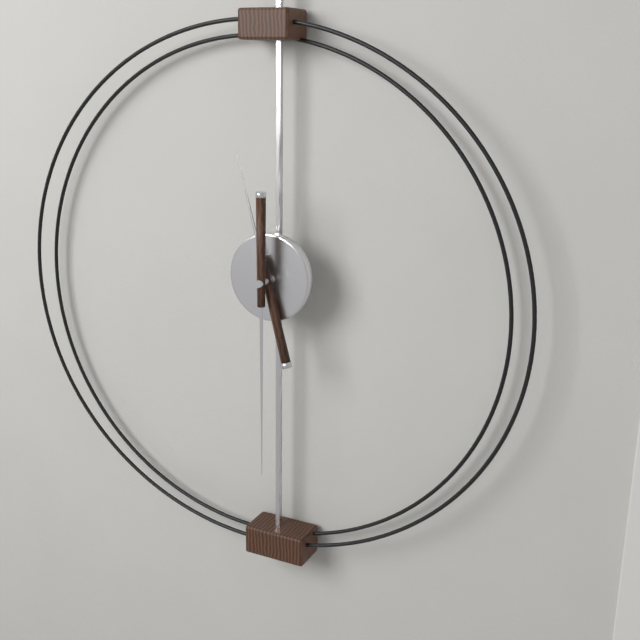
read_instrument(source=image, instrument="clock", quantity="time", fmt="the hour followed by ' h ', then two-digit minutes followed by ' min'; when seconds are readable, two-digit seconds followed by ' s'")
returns 11 h 30 min
